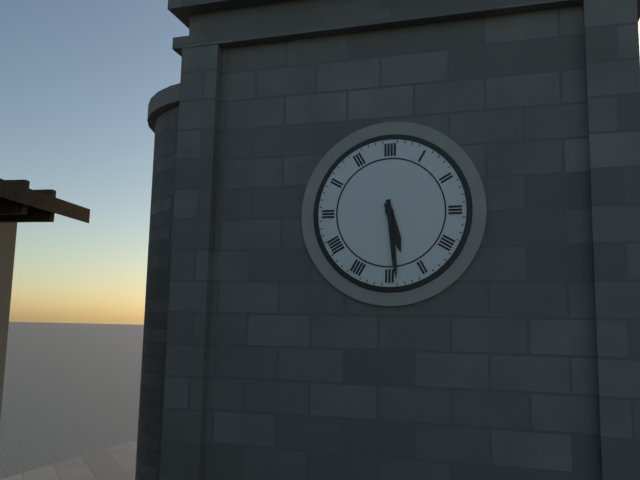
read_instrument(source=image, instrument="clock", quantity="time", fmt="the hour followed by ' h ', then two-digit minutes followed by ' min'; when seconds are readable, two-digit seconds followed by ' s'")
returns 5 h 29 min
